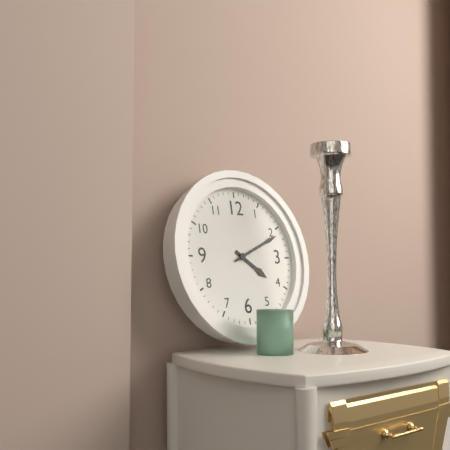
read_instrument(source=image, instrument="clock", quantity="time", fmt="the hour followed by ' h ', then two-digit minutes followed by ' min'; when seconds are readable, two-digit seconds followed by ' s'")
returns 4 h 11 min
